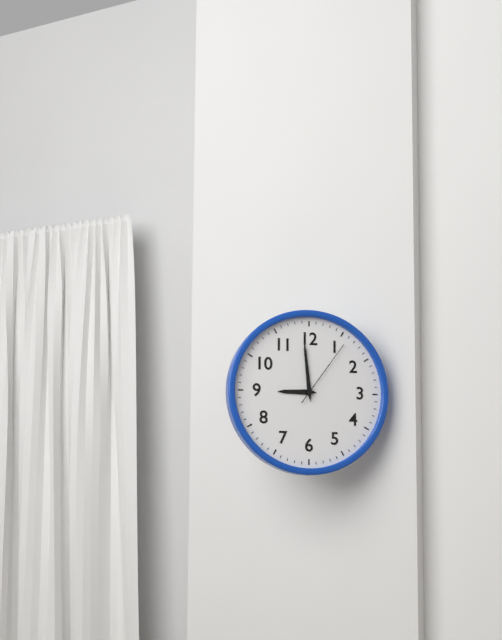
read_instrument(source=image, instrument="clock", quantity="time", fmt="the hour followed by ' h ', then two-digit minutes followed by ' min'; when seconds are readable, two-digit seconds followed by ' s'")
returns 8 h 59 min 06 s
